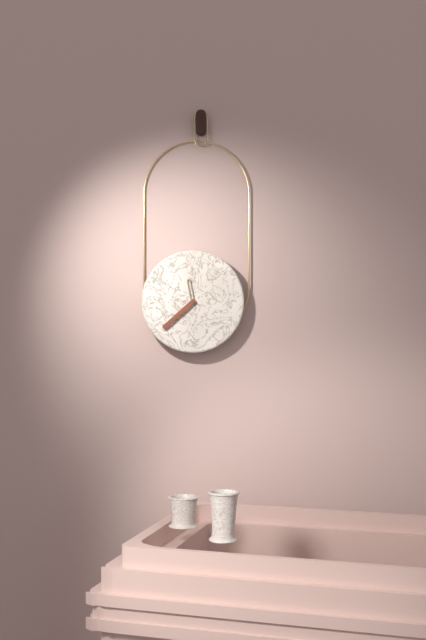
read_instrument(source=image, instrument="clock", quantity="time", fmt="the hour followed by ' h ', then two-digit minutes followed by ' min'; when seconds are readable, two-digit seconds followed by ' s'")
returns 11 h 38 min
